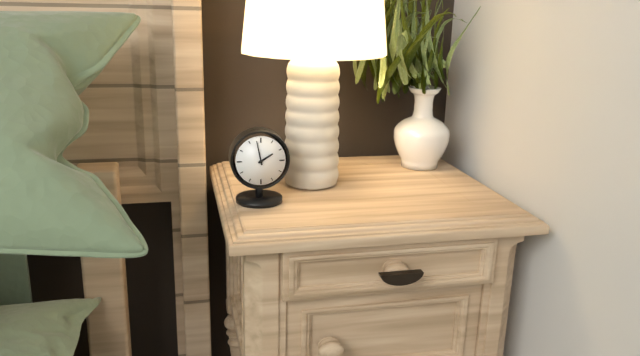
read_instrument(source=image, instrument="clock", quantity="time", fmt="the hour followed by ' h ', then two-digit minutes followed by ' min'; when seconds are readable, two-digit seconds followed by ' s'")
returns 1 h 58 min
